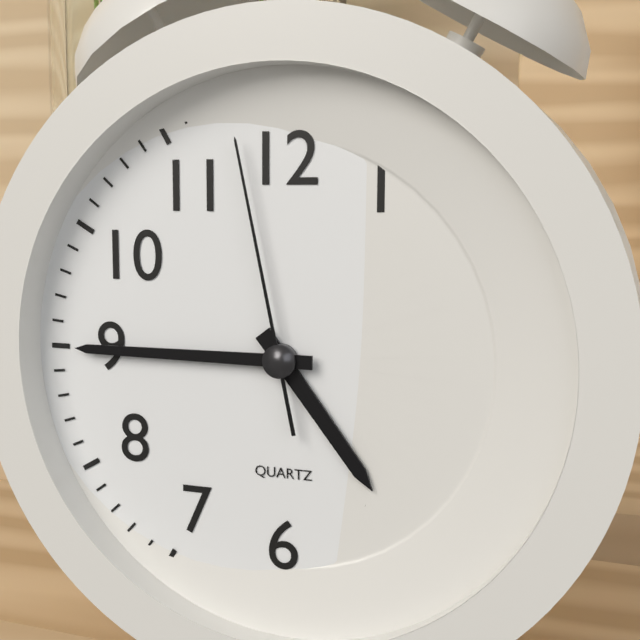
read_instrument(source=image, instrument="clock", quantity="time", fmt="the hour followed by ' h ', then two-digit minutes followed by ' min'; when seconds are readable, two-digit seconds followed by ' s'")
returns 4 h 45 min 58 s
